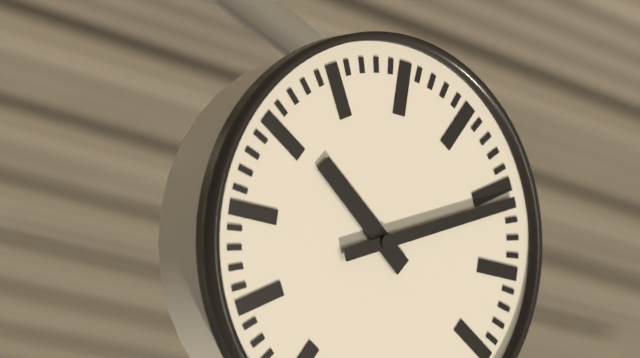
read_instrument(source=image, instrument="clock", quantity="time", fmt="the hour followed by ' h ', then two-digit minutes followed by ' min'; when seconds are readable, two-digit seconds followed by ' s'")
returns 10 h 11 min
